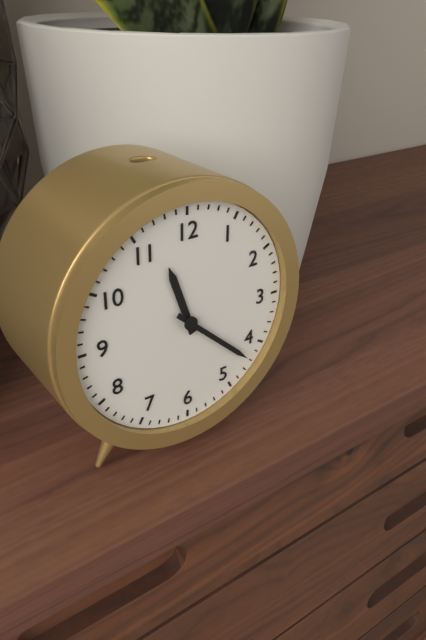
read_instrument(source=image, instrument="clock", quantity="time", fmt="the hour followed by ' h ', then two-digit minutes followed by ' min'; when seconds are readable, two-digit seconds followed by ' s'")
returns 11 h 22 min
